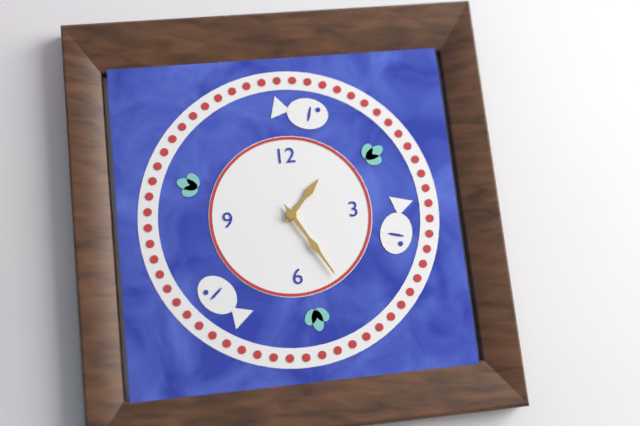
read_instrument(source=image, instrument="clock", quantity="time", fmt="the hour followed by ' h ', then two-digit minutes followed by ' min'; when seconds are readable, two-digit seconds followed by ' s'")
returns 1 h 25 min
